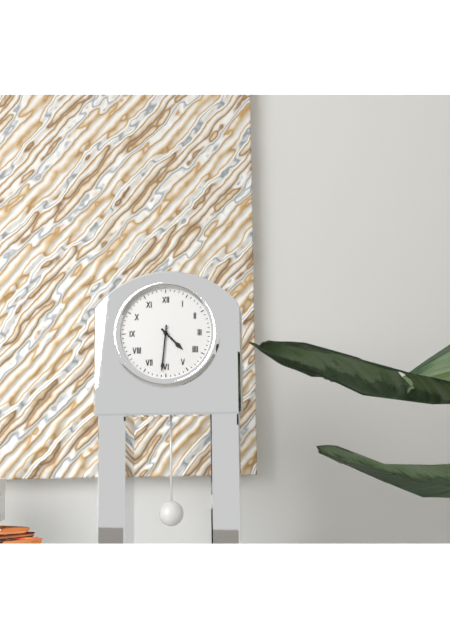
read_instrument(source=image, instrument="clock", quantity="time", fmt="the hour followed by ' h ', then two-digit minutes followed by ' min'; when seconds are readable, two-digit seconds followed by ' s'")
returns 4 h 31 min
